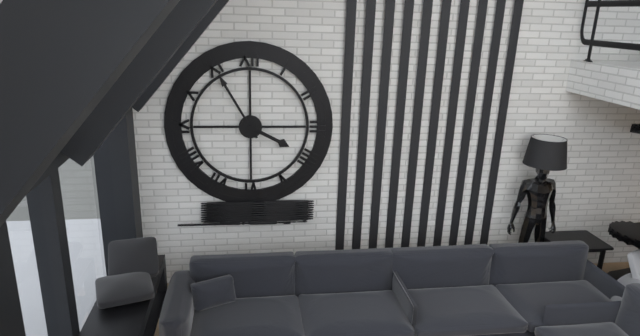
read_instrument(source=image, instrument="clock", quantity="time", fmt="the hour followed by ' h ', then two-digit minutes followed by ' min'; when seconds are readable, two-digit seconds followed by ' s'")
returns 3 h 55 min
